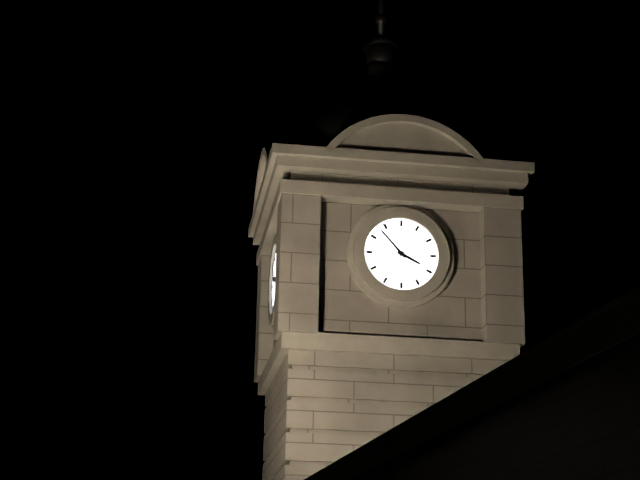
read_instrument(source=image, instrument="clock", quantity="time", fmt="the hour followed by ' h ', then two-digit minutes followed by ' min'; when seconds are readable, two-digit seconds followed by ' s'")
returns 3 h 53 min
